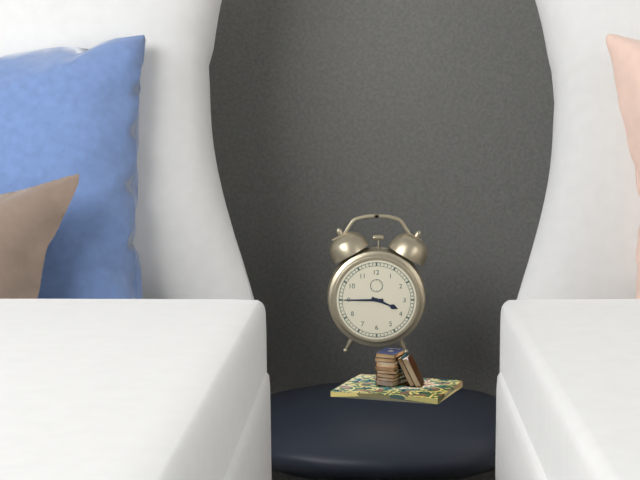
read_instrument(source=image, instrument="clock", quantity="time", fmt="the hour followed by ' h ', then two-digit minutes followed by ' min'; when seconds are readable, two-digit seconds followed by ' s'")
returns 3 h 45 min
